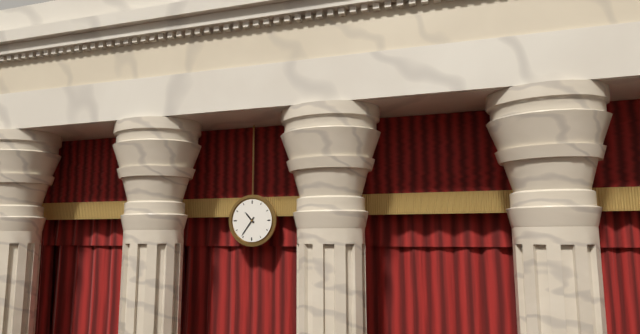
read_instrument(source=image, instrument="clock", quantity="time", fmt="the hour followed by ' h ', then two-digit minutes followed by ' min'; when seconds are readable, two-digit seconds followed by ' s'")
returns 10 h 36 min
